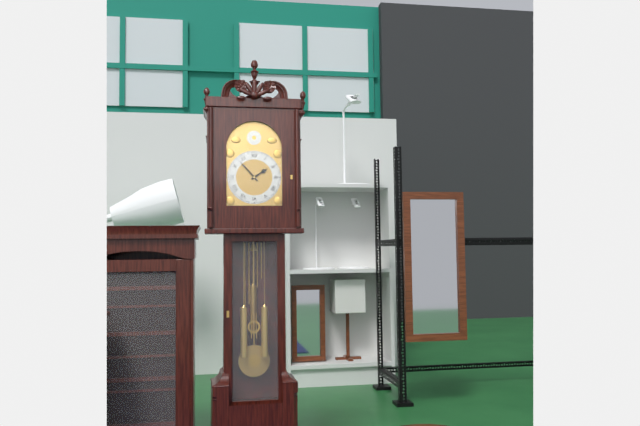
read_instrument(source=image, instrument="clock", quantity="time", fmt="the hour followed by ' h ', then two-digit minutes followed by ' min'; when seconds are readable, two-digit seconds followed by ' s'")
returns 1 h 53 min
